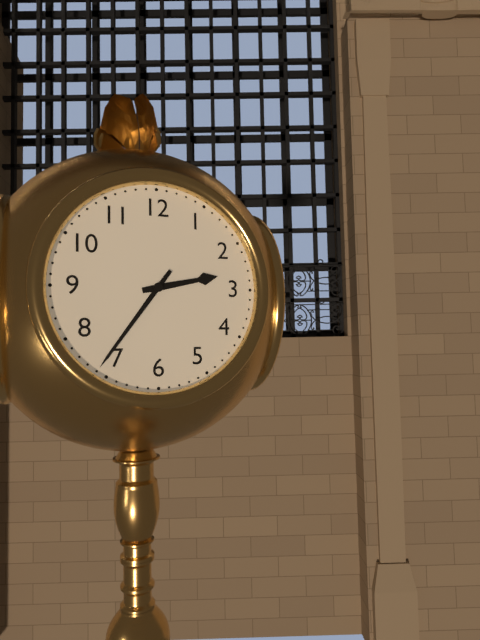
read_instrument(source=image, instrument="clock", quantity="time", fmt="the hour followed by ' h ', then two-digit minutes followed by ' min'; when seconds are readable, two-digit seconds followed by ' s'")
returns 2 h 36 min
